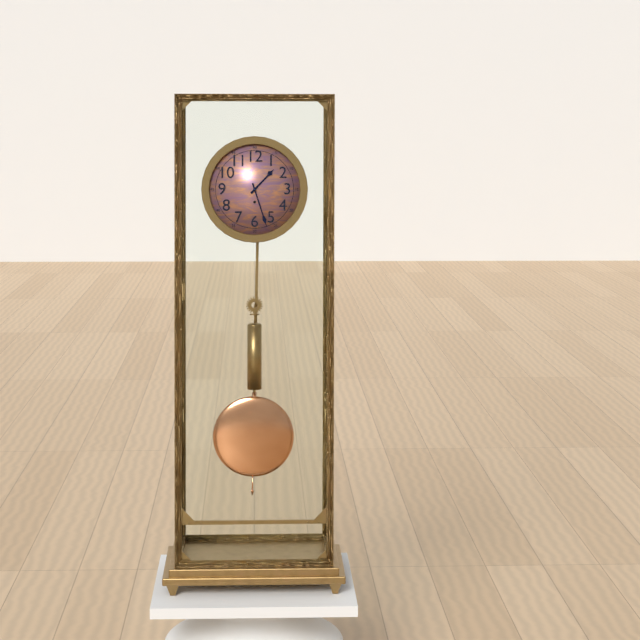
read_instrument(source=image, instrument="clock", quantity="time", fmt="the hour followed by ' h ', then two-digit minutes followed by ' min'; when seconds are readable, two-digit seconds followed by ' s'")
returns 1 h 27 min
